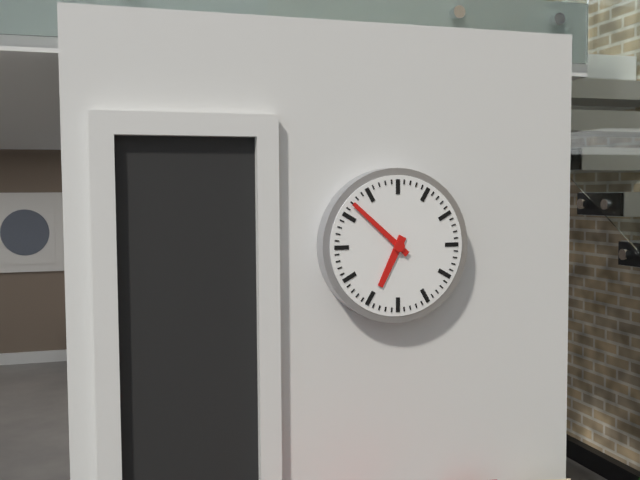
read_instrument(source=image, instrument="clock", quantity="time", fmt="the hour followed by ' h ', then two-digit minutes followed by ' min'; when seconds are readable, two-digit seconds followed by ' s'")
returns 6 h 52 min
